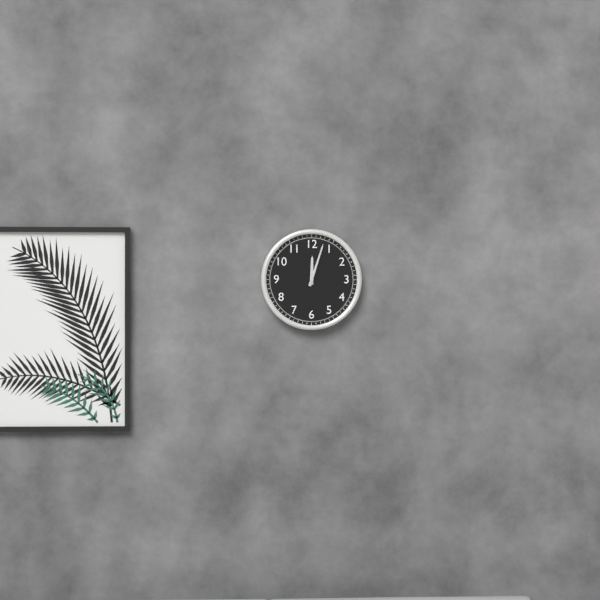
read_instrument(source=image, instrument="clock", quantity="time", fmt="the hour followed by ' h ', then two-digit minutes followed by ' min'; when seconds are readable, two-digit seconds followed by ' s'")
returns 12 h 03 min
